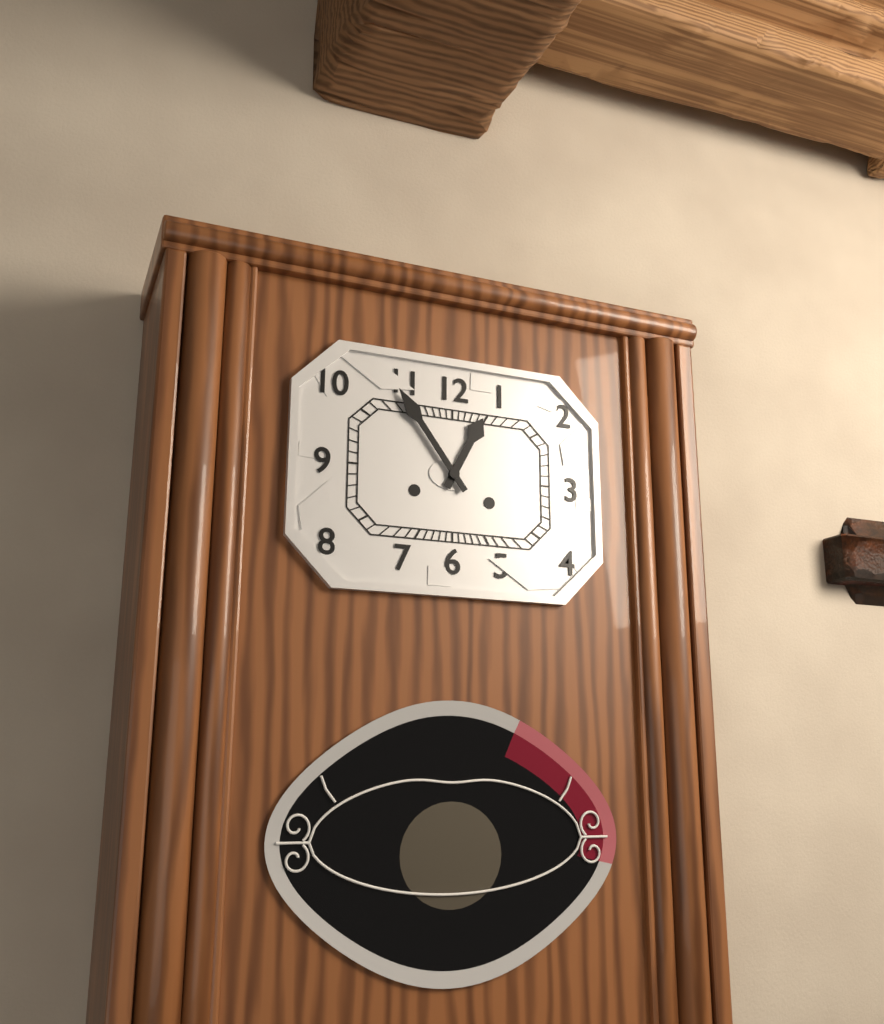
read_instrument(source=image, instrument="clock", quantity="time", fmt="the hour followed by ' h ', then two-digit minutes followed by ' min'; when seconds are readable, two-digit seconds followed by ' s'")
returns 12 h 54 min
